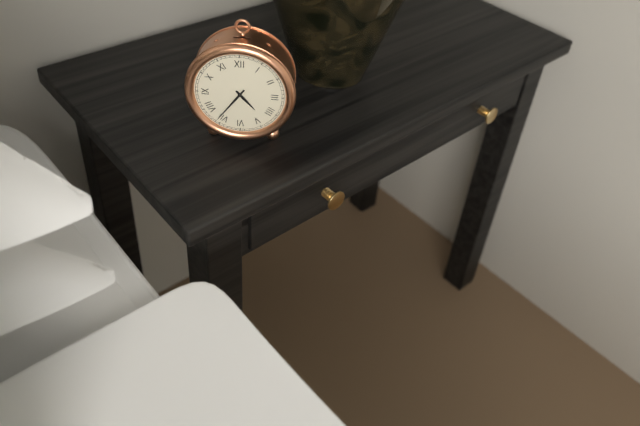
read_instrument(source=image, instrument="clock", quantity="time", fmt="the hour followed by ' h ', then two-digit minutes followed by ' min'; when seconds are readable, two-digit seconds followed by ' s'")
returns 4 h 36 min
